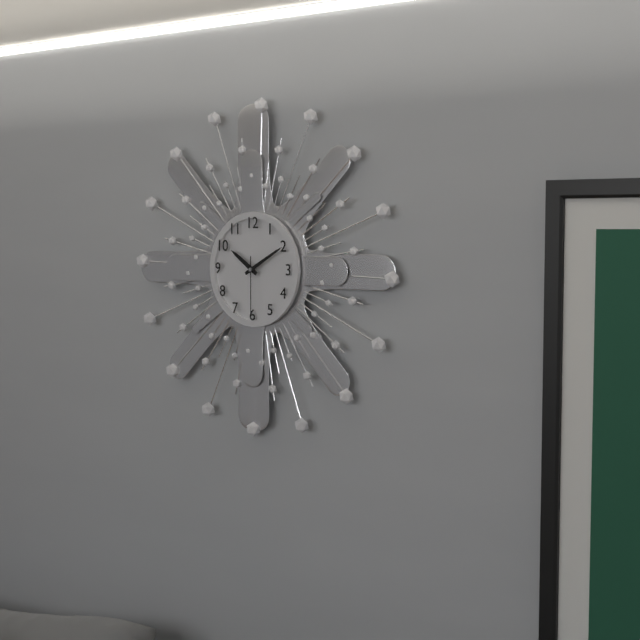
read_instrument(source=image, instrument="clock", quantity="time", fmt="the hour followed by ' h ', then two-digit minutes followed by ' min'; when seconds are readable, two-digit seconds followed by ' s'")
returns 10 h 10 min 30 s
